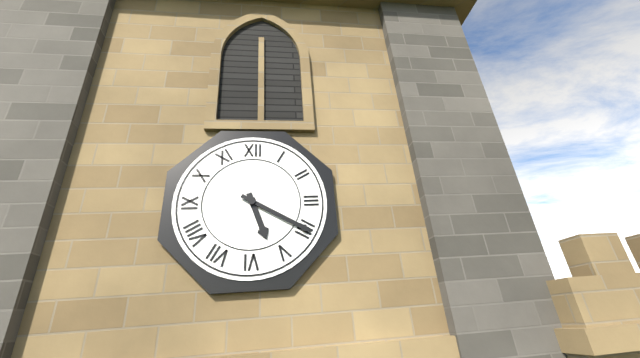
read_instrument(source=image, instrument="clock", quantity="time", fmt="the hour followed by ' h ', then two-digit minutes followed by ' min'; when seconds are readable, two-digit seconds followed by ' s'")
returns 5 h 20 min
